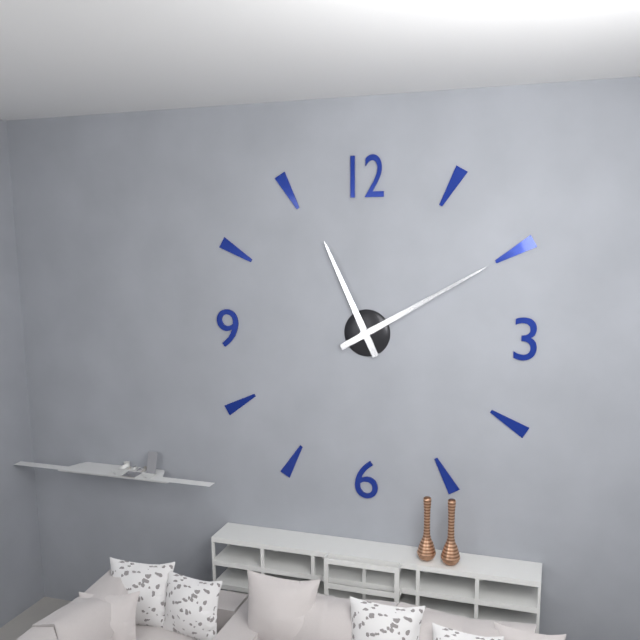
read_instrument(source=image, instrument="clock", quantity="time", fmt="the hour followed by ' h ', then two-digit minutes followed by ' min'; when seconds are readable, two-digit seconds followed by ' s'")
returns 11 h 10 min
